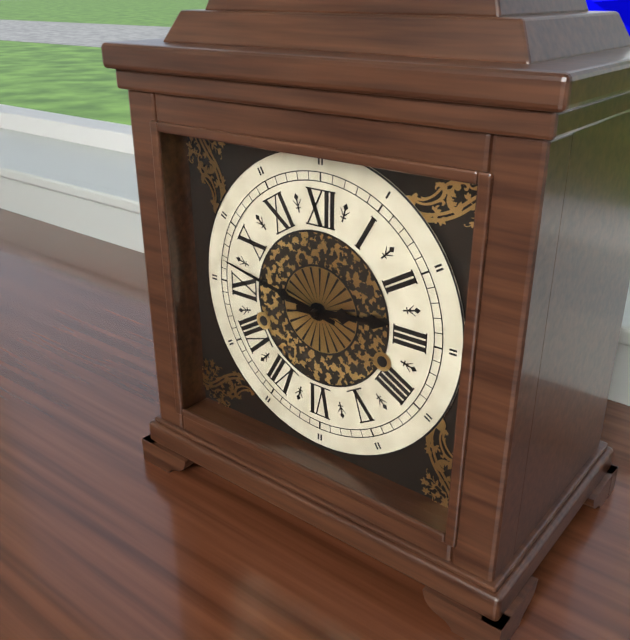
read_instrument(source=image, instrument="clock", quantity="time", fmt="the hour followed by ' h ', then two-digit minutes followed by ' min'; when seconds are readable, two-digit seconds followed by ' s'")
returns 2 h 47 min
